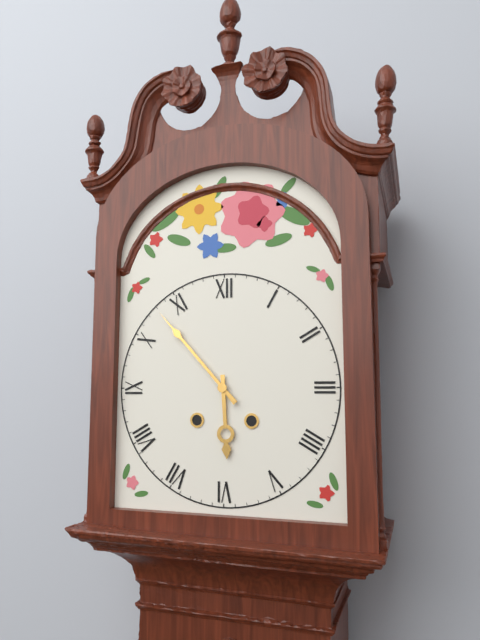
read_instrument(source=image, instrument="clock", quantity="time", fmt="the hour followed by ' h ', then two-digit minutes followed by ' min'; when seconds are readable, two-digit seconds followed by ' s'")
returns 5 h 53 min
